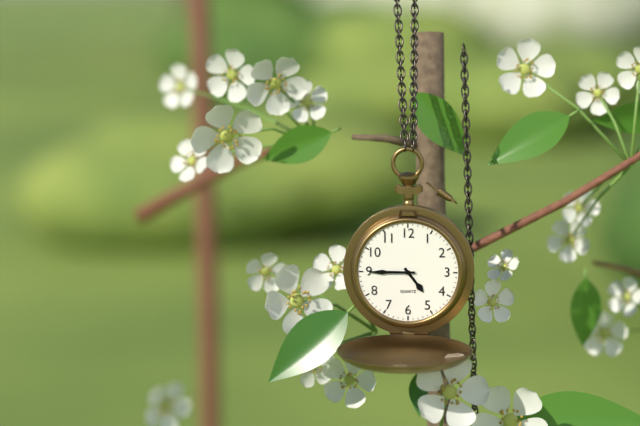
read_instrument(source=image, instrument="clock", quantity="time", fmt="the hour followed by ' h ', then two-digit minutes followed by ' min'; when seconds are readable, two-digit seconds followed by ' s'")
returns 4 h 45 min
